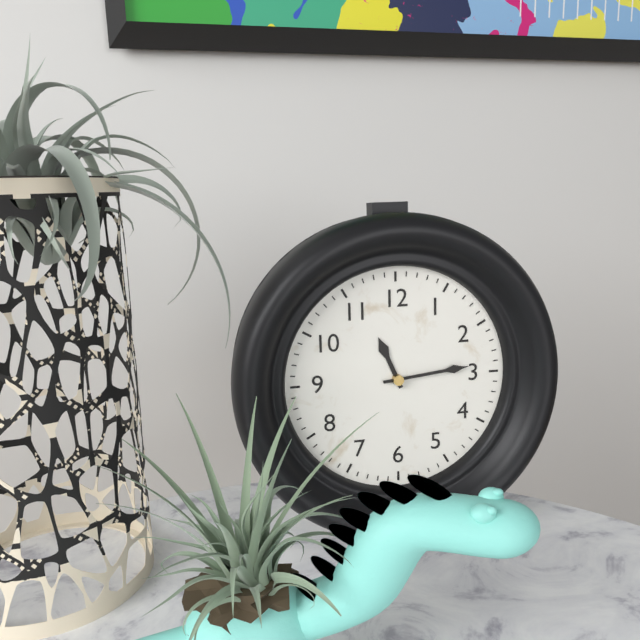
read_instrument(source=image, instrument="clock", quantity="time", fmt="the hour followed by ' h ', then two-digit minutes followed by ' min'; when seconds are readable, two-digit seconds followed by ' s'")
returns 11 h 14 min
